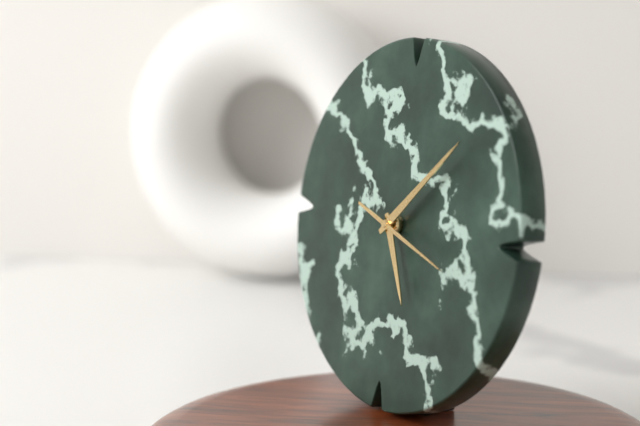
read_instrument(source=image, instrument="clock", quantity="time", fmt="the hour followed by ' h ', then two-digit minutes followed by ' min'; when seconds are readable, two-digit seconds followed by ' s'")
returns 5 h 08 min 18 s
